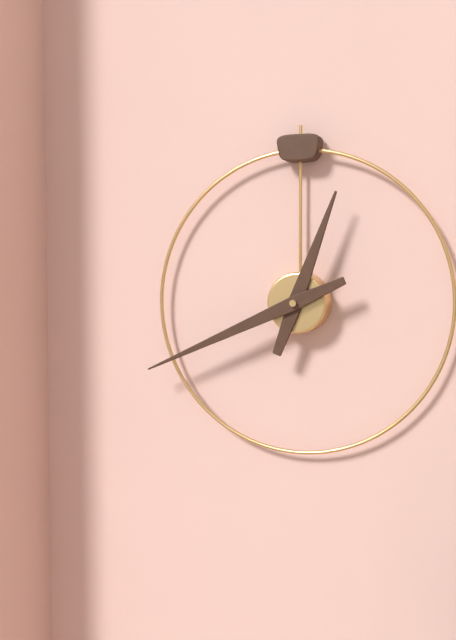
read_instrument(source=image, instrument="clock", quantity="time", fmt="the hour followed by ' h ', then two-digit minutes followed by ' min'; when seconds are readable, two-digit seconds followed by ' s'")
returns 12 h 41 min
